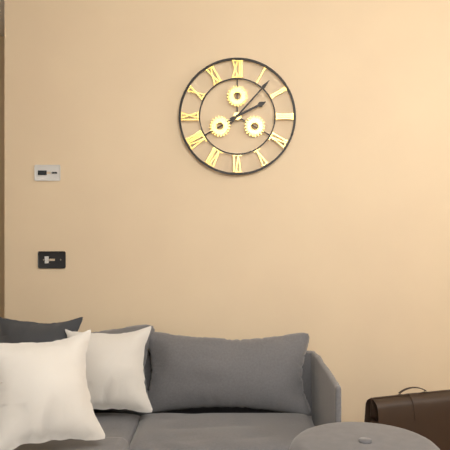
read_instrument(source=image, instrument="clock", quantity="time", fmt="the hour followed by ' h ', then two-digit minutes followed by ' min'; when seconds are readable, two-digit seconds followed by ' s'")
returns 2 h 07 min
